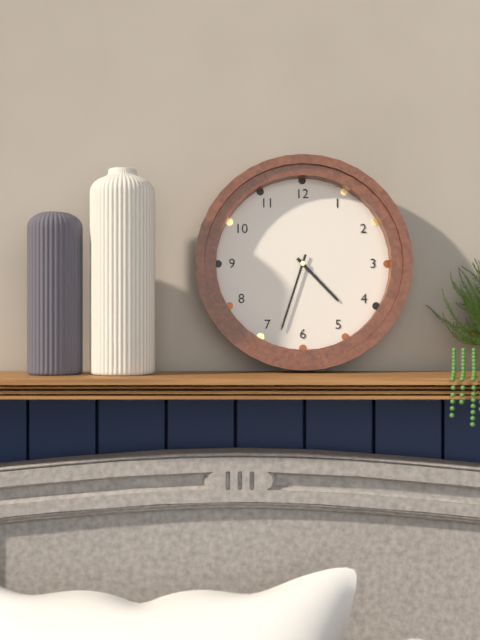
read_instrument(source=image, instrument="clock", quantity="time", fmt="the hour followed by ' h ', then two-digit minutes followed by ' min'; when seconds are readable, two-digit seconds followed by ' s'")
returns 4 h 33 min
